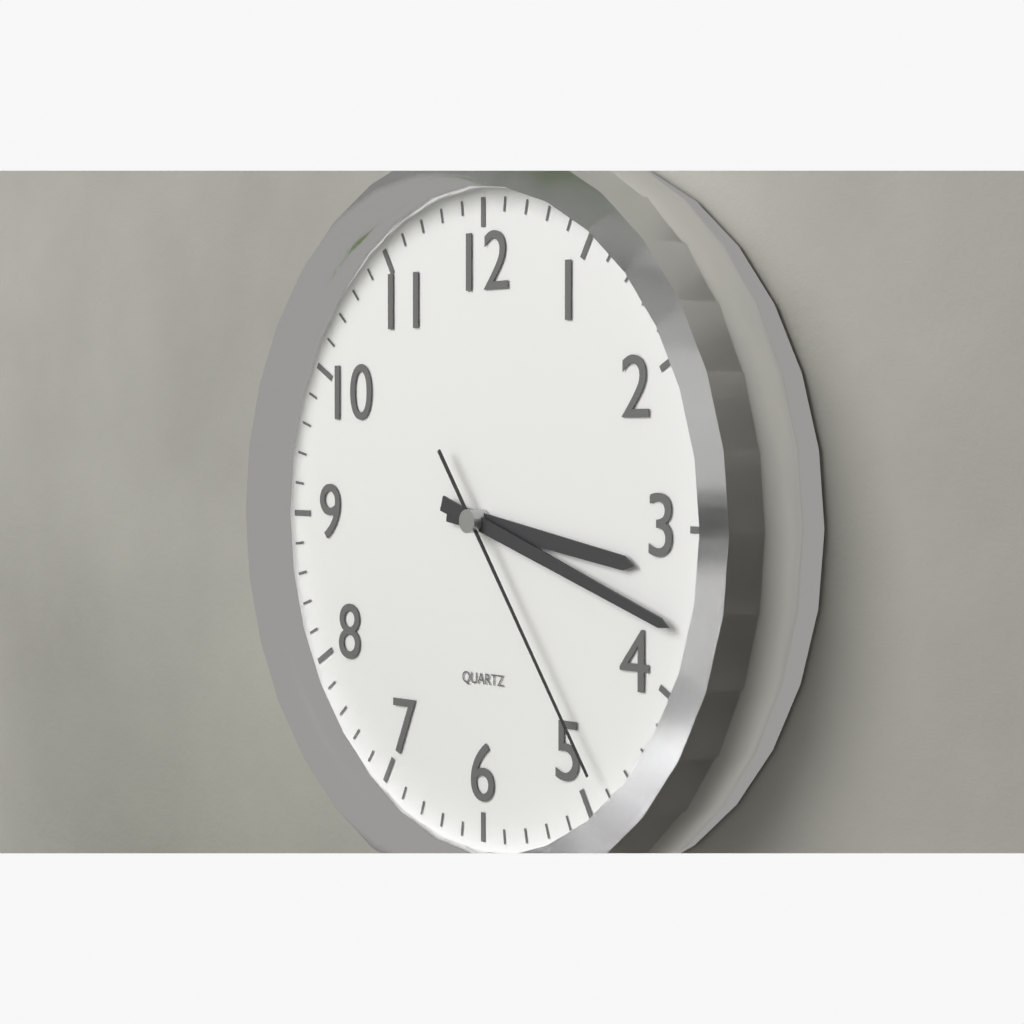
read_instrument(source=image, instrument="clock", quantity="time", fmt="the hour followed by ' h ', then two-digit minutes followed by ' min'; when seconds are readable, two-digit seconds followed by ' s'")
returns 3 h 18 min 24 s
